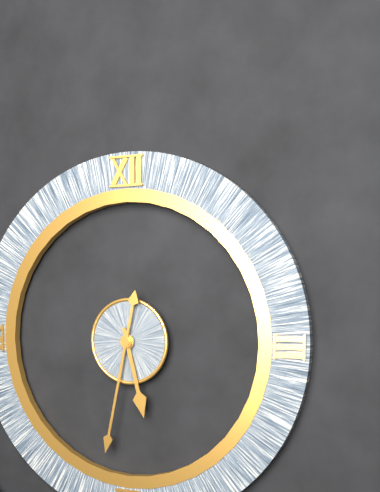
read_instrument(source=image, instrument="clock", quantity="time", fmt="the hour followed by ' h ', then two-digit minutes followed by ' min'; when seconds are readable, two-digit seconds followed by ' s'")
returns 5 h 32 min
